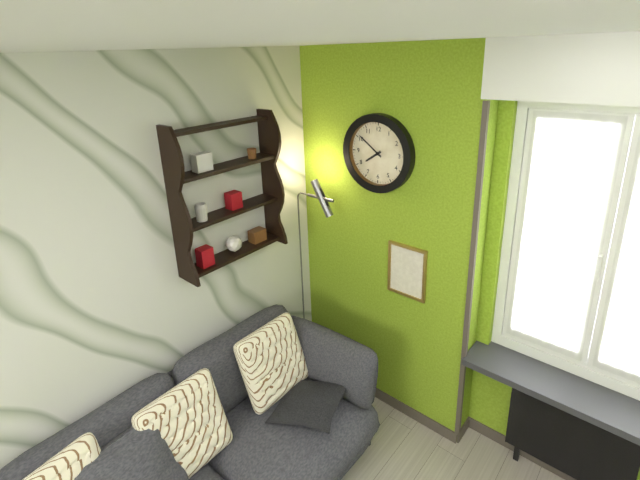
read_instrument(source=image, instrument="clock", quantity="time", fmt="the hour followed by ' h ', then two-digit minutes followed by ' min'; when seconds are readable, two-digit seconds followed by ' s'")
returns 7 h 51 min
